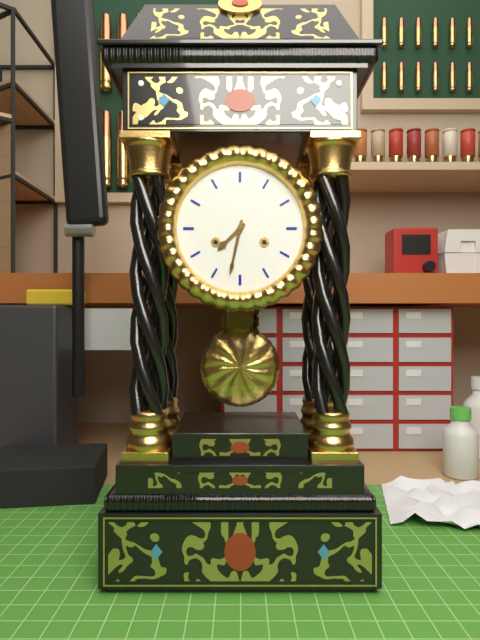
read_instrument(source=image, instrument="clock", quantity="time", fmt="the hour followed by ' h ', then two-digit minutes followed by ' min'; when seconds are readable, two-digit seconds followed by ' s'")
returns 7 h 32 min
